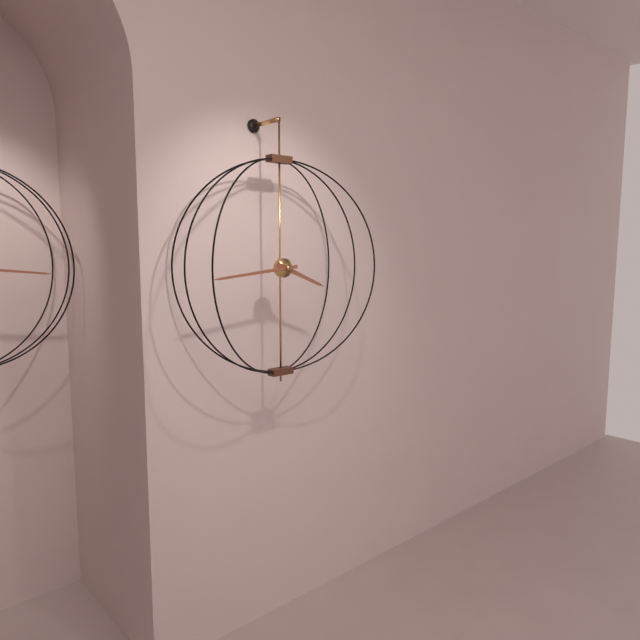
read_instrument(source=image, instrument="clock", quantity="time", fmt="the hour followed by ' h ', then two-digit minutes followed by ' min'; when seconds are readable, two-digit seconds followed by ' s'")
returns 3 h 44 min
